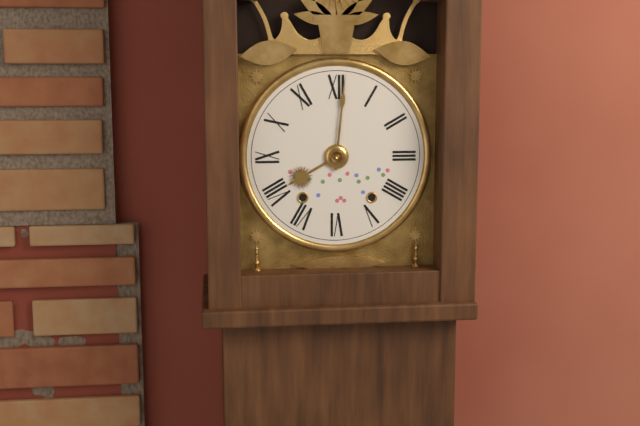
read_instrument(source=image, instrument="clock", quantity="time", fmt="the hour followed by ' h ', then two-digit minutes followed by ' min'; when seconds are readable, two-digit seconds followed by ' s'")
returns 8 h 01 min
